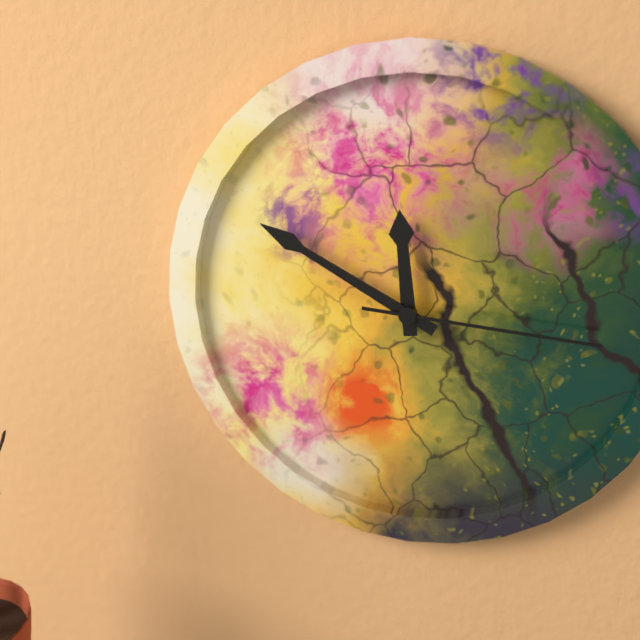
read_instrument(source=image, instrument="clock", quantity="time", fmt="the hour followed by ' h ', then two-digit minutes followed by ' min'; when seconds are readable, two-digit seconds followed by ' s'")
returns 11 h 50 min 16 s
